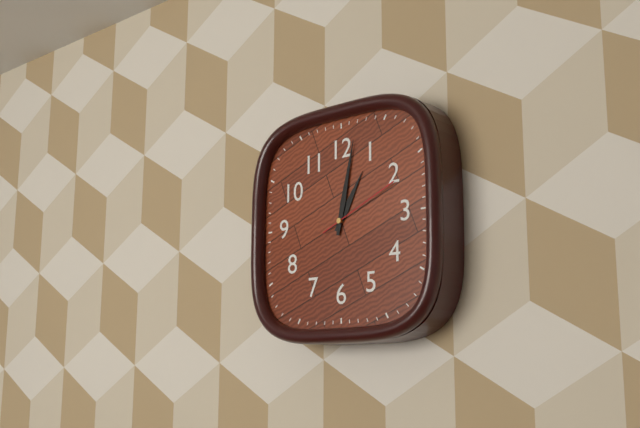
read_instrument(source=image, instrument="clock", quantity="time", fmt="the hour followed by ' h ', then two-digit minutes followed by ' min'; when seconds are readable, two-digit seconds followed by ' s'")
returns 1 h 02 min 11 s
